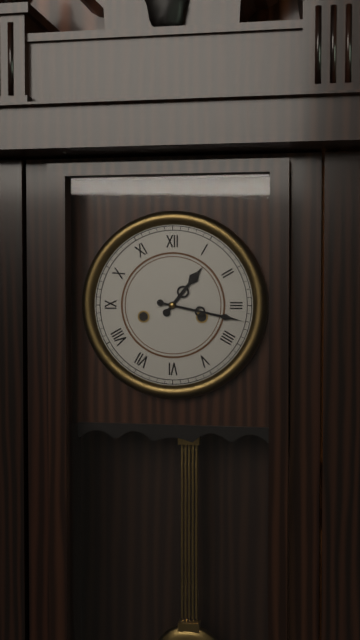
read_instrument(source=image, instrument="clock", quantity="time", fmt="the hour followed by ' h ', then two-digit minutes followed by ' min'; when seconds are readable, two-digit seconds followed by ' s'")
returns 1 h 17 min
